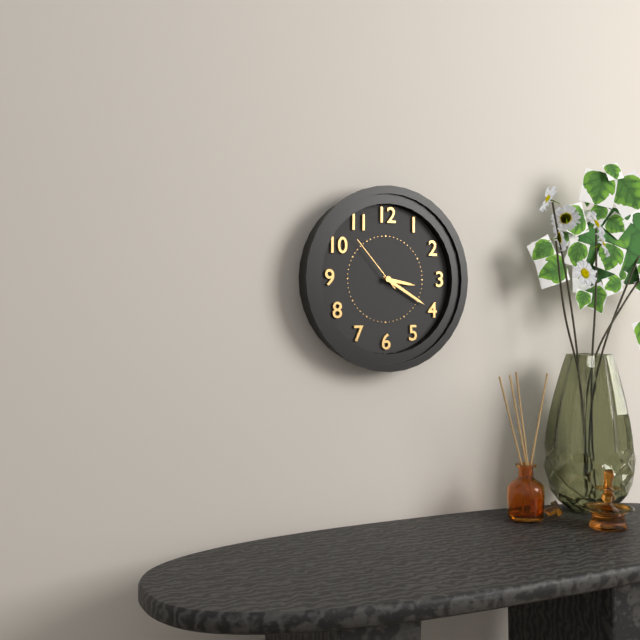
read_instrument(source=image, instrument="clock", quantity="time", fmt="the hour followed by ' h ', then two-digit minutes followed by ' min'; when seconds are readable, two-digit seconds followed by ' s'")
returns 3 h 20 min 53 s
